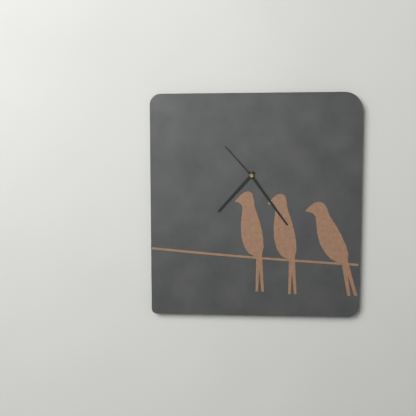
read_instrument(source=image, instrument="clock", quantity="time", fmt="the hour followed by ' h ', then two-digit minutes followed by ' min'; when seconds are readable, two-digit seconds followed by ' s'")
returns 7 h 24 min
